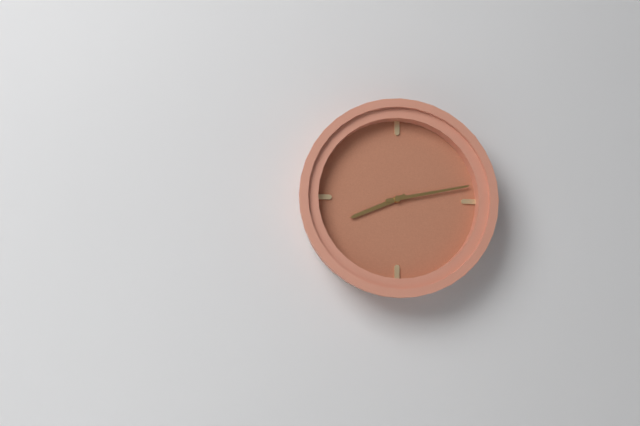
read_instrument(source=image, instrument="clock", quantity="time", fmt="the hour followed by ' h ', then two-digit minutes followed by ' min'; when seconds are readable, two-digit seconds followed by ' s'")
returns 8 h 13 min
